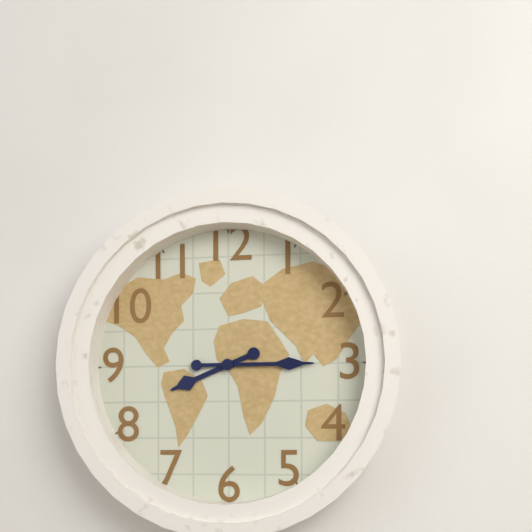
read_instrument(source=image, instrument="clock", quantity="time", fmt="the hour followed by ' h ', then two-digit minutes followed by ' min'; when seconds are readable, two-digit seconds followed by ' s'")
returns 8 h 15 min
